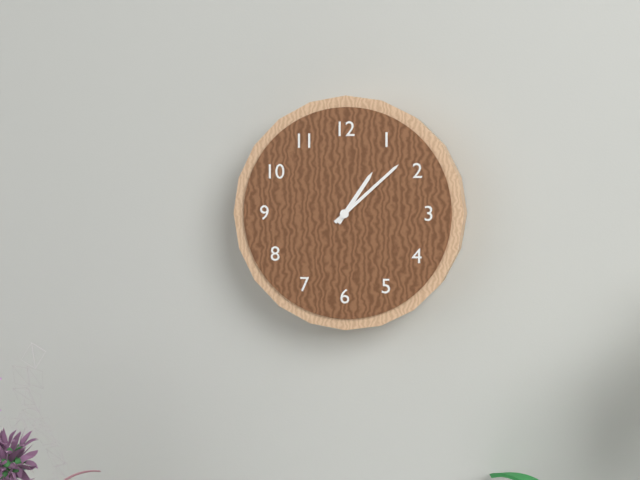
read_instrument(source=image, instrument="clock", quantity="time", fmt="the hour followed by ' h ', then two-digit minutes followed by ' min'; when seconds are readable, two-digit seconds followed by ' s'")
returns 1 h 08 min
